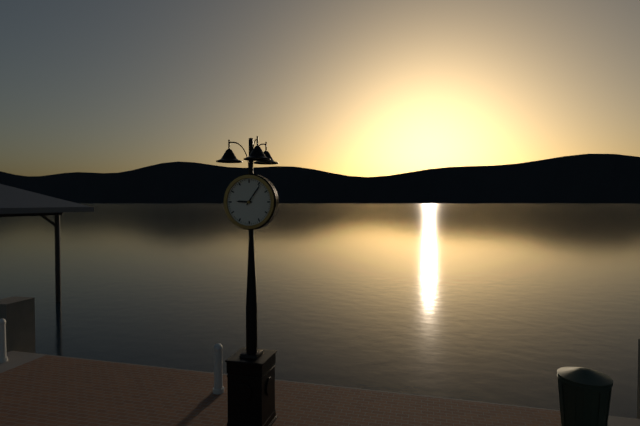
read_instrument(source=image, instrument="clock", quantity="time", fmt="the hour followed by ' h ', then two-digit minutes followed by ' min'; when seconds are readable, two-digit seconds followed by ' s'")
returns 9 h 06 min
